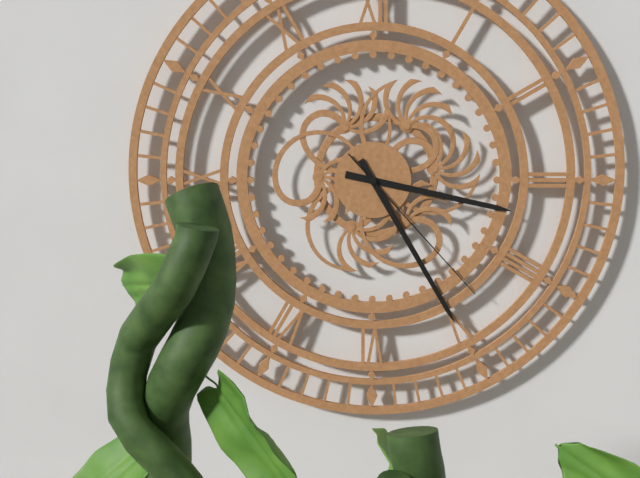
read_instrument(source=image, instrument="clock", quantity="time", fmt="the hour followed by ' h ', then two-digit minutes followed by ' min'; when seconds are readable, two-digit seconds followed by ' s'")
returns 3 h 25 min 23 s
